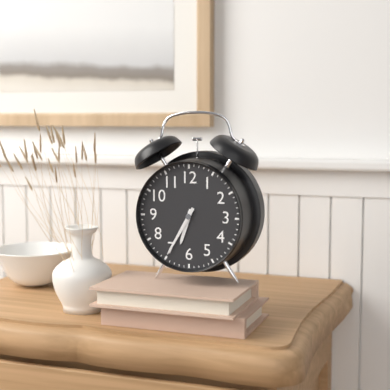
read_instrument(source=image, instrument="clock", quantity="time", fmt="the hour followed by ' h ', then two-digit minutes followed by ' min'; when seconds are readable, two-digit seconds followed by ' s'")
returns 6 h 35 min
